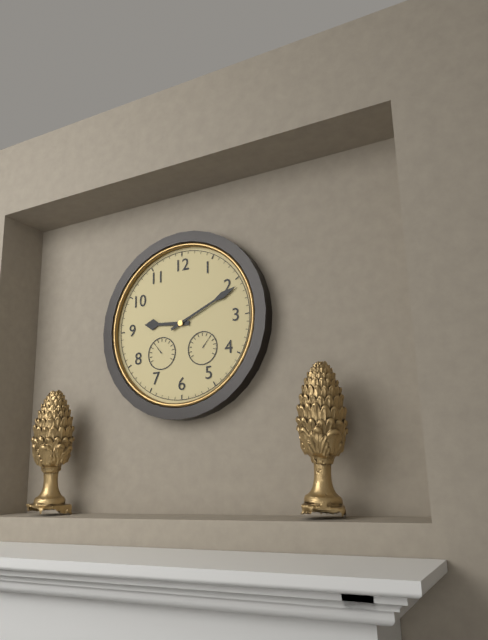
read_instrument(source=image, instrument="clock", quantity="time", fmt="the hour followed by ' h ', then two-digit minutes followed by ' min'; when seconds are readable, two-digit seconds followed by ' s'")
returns 9 h 11 min
